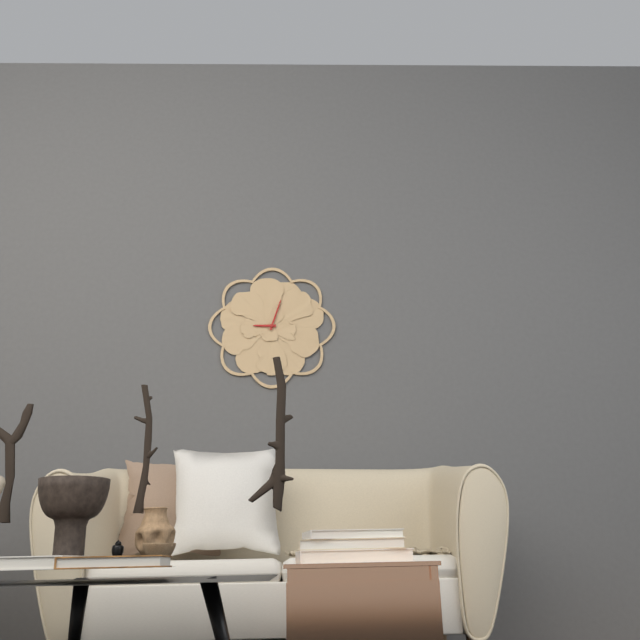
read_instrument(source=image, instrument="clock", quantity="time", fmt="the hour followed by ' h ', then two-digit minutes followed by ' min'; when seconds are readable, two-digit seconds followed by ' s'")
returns 9 h 03 min
